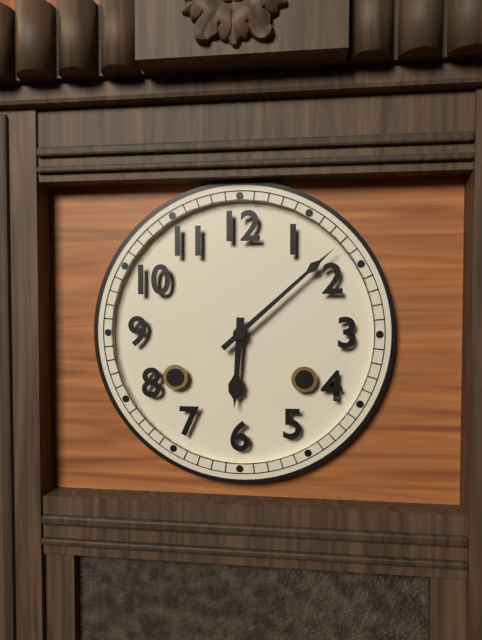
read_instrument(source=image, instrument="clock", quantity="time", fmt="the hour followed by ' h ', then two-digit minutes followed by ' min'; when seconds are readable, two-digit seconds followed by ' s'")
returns 6 h 08 min
